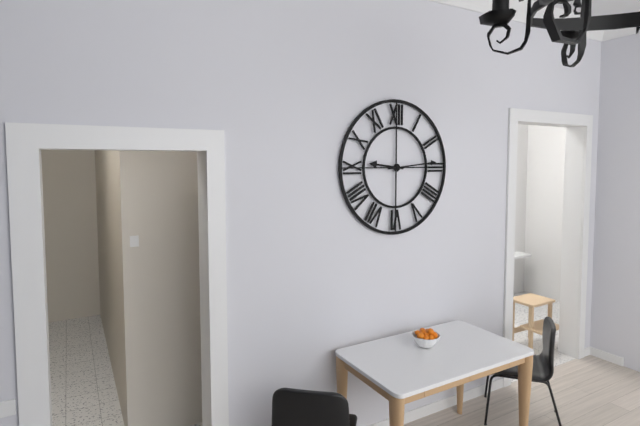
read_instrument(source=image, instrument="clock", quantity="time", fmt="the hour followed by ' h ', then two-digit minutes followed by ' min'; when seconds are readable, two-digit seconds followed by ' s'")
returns 9 h 14 min
